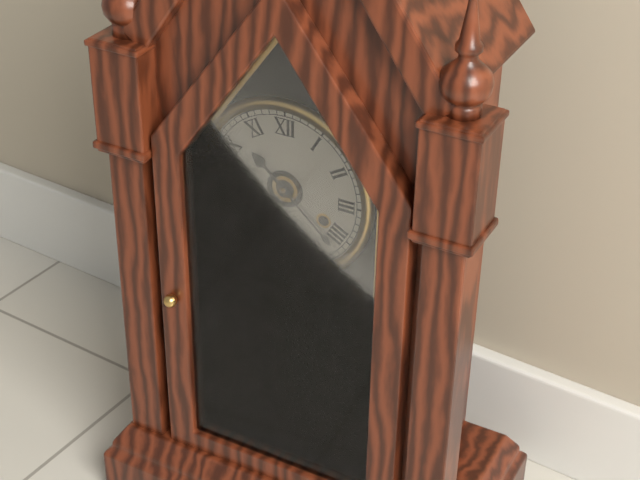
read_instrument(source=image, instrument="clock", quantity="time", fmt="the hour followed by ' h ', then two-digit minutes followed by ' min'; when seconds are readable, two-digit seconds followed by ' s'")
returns 10 h 22 min
